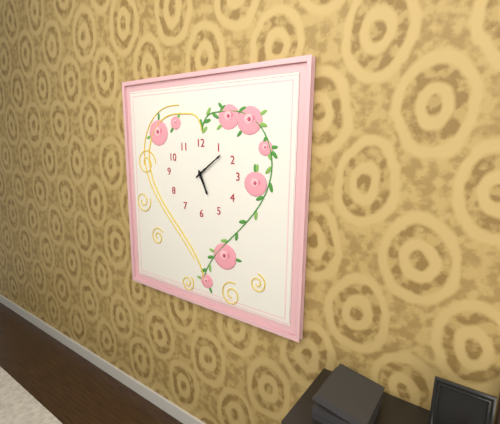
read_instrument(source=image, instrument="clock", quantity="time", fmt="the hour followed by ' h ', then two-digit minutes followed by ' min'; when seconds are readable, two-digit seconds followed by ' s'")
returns 5 h 09 min
